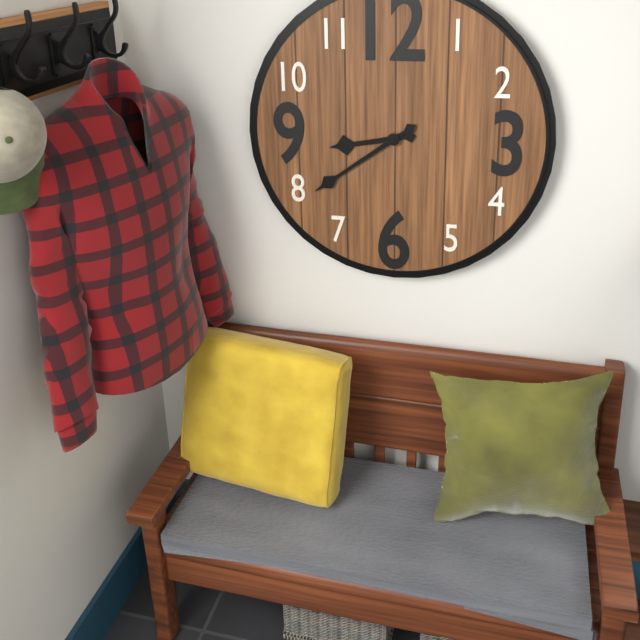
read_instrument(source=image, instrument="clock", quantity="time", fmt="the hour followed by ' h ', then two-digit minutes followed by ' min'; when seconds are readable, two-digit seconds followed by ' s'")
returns 8 h 39 min
